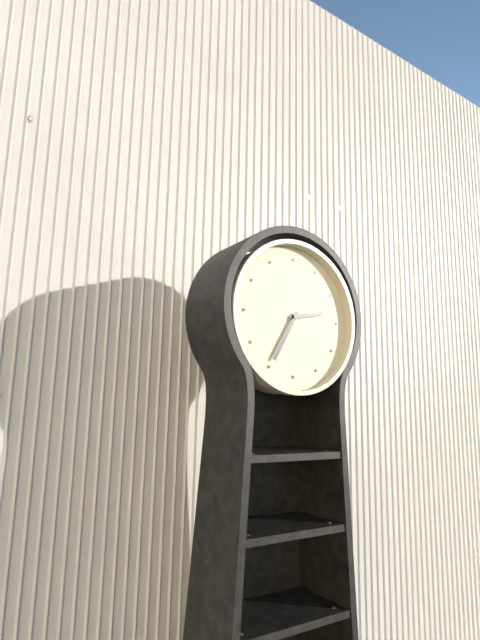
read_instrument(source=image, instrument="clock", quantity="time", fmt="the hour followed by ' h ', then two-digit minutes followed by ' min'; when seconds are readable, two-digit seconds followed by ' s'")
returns 2 h 35 min
